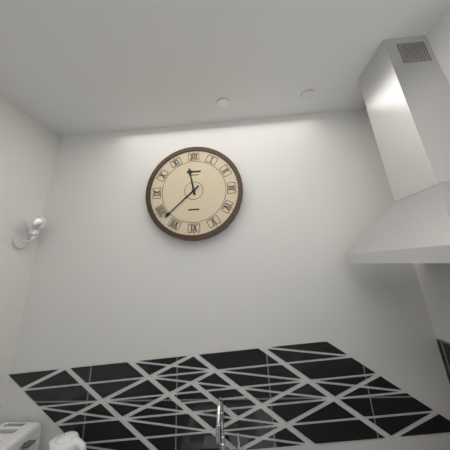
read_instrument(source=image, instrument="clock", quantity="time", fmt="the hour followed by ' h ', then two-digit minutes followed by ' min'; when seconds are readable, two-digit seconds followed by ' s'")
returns 11 h 38 min
